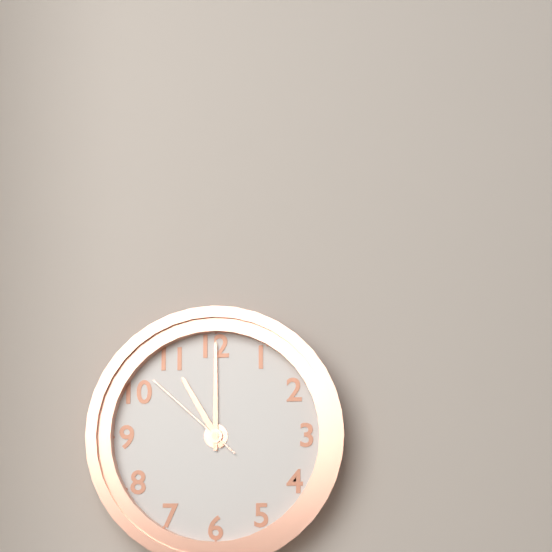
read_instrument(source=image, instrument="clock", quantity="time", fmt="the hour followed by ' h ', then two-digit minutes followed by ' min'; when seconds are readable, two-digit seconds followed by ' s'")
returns 11 h 00 min 52 s
